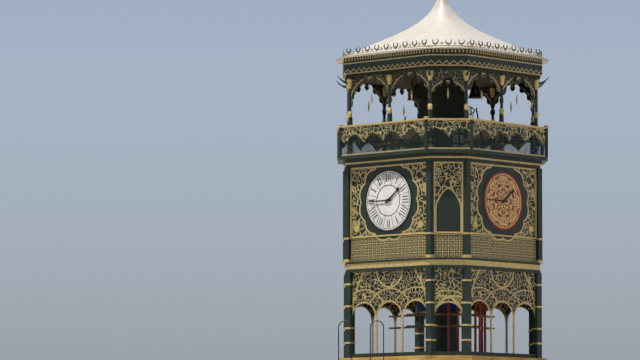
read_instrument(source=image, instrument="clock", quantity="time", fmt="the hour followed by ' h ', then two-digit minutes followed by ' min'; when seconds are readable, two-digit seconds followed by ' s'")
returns 1 h 45 min
